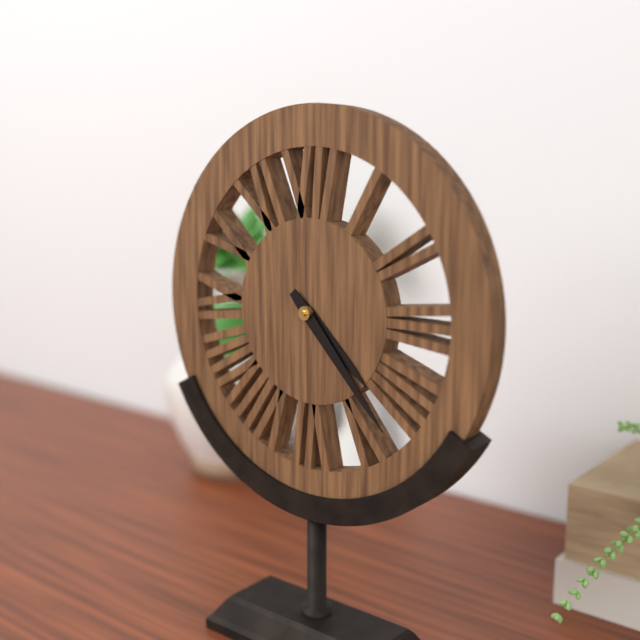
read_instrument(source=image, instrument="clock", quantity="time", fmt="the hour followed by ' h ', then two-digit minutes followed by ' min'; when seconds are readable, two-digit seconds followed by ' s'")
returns 4 h 23 min
